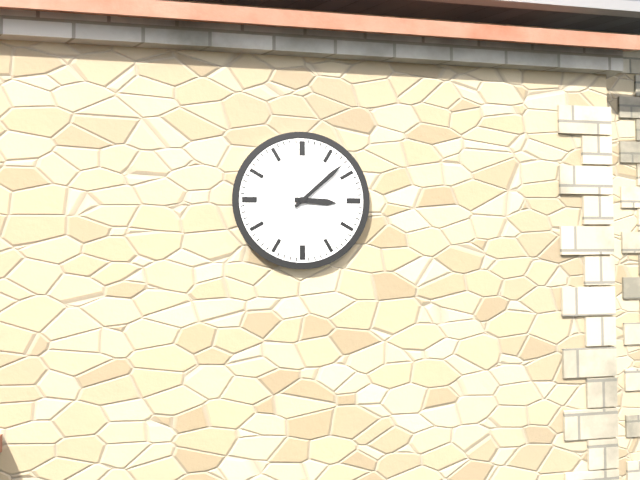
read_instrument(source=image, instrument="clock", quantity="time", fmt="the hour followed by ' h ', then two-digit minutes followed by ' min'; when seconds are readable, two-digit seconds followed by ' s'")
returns 3 h 08 min
